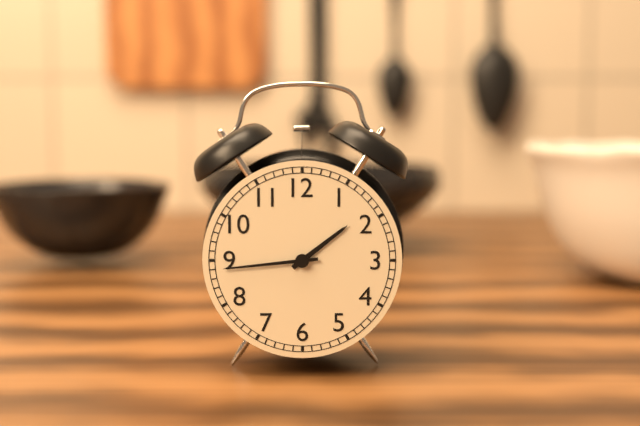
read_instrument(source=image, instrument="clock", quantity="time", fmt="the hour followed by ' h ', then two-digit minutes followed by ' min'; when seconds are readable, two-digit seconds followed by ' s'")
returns 1 h 44 min
